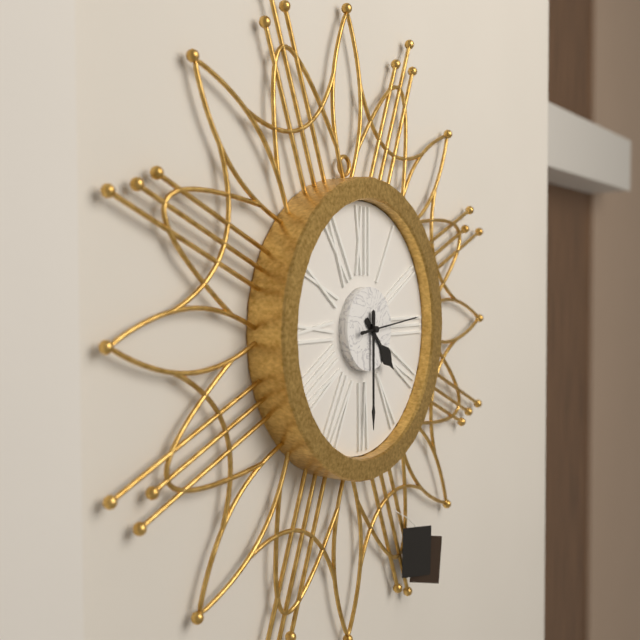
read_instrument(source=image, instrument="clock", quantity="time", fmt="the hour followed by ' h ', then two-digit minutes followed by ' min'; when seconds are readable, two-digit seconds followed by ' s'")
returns 4 h 30 min 14 s
